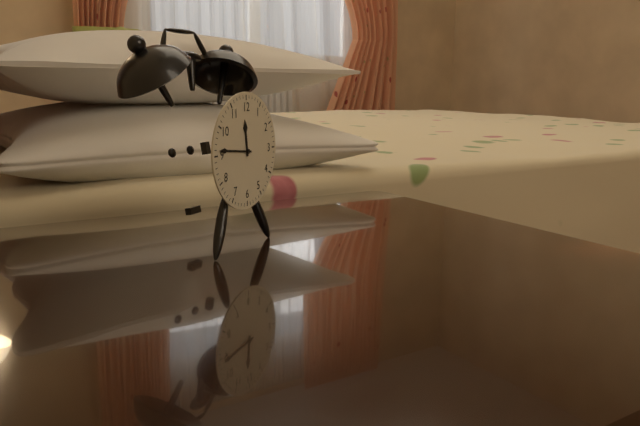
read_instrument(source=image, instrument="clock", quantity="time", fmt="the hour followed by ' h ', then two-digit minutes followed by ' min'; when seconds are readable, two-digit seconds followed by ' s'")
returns 11 h 46 min
